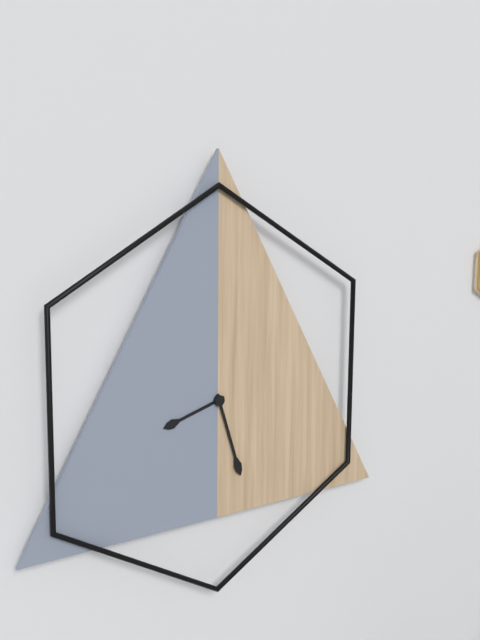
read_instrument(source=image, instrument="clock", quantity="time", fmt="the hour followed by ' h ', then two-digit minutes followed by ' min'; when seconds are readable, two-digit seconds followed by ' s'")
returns 8 h 27 min
